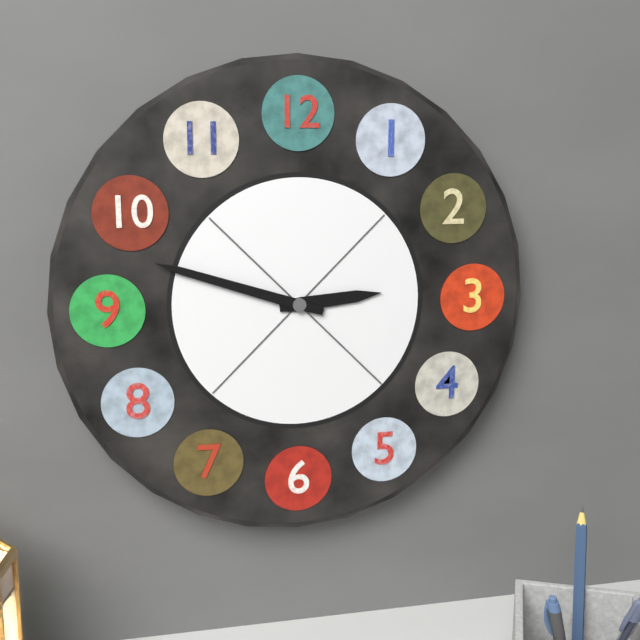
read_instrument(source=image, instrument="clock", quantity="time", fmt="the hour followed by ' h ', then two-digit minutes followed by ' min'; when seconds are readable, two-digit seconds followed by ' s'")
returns 2 h 48 min
